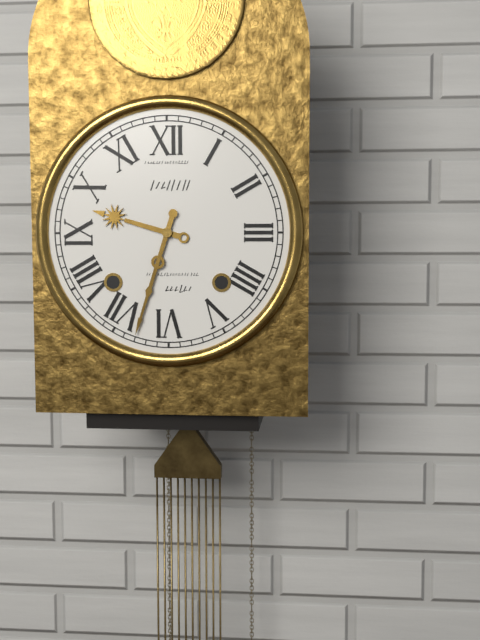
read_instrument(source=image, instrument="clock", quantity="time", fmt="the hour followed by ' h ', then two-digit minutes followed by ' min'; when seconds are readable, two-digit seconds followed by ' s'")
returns 9 h 33 min
